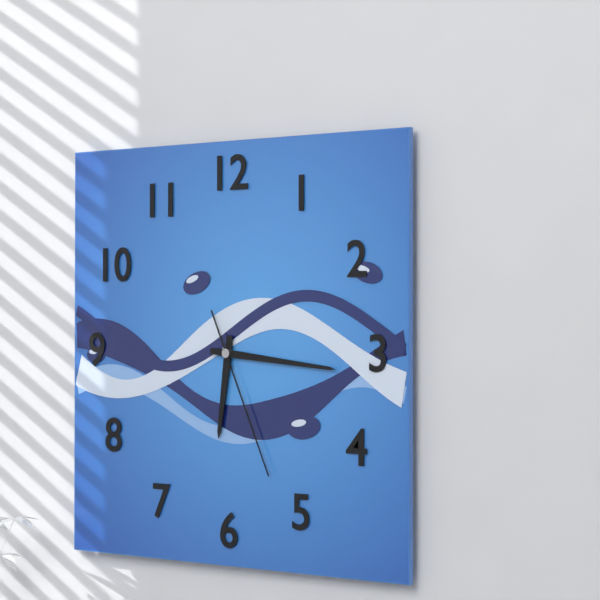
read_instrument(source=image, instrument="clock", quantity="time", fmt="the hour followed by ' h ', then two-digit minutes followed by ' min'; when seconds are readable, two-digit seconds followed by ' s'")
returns 6 h 16 min 26 s
